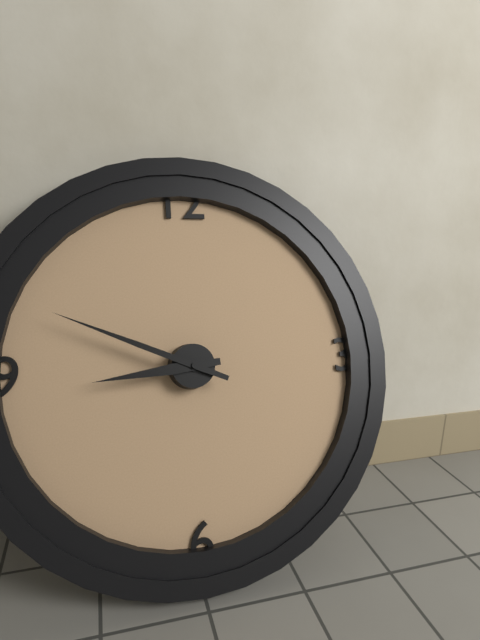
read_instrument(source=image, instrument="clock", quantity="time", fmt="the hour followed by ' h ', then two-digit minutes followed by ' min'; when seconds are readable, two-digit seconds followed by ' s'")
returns 8 h 49 min
